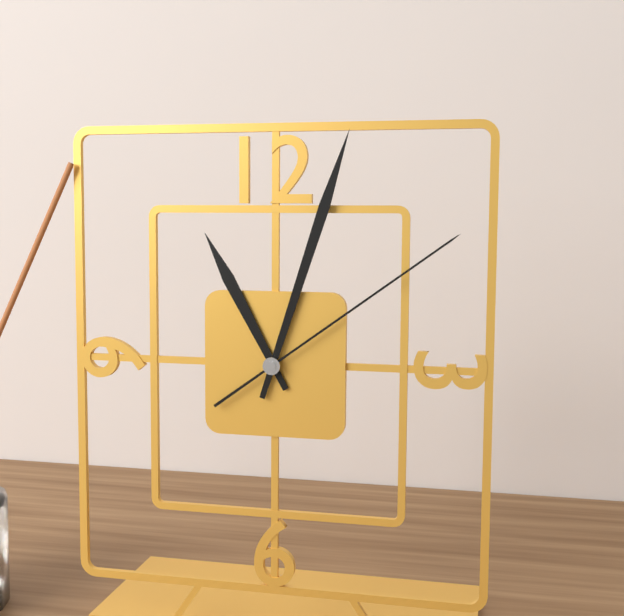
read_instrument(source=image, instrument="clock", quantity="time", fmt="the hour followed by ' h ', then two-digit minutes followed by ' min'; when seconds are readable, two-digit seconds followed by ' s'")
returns 11 h 03 min 09 s
